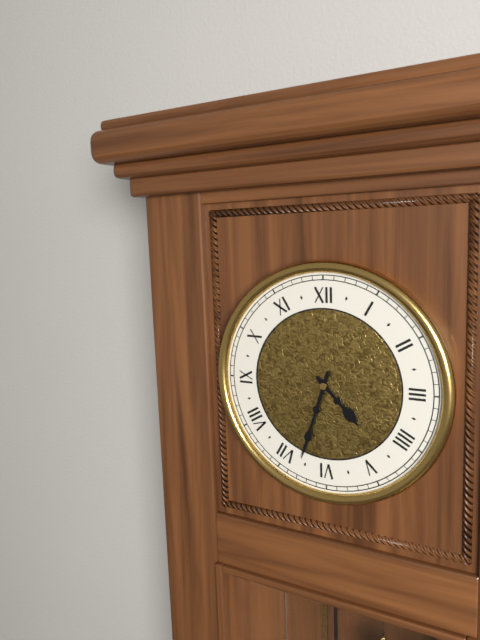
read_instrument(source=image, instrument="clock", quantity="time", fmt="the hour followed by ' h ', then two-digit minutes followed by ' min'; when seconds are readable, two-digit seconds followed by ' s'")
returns 4 h 33 min
